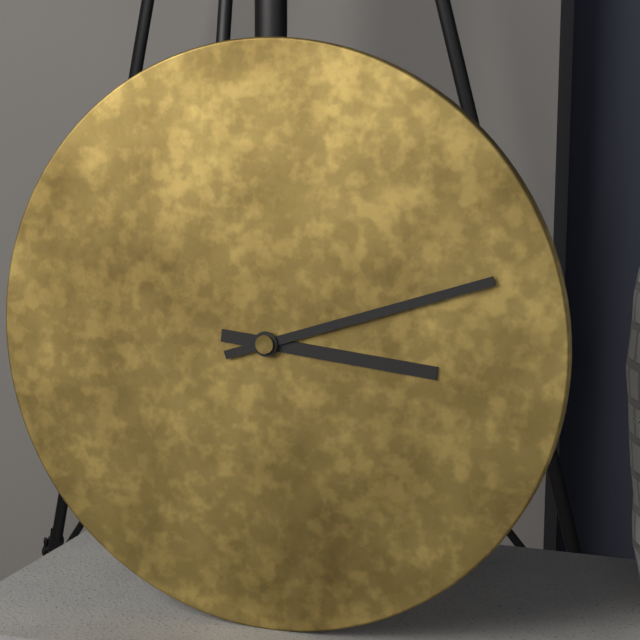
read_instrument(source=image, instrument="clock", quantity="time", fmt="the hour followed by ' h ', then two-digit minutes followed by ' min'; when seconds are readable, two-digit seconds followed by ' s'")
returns 3 h 12 min
